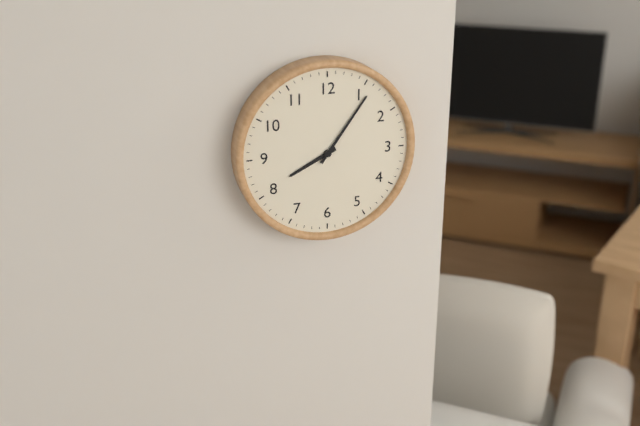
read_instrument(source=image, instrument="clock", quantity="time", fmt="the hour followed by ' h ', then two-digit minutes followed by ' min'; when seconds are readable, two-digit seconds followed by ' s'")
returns 8 h 06 min
